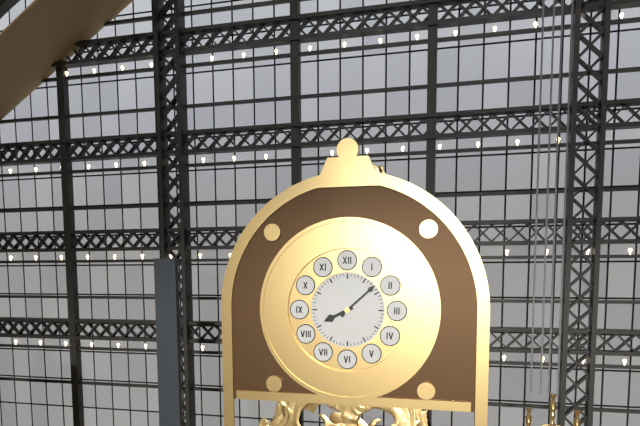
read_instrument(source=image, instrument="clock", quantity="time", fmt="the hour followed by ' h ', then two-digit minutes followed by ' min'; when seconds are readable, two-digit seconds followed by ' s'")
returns 8 h 08 min
